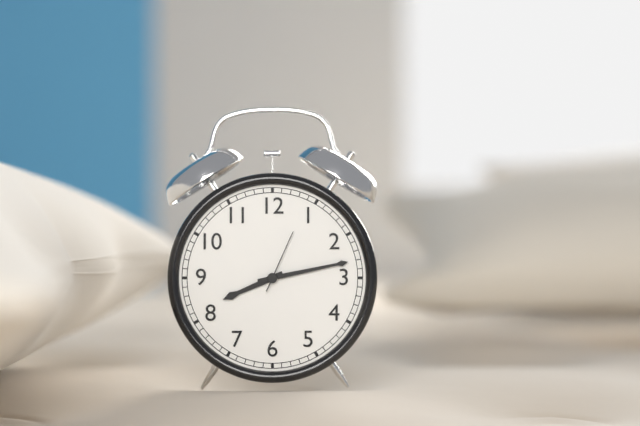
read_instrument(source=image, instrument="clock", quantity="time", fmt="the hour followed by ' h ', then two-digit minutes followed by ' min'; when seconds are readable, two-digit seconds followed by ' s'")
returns 8 h 13 min 04 s
